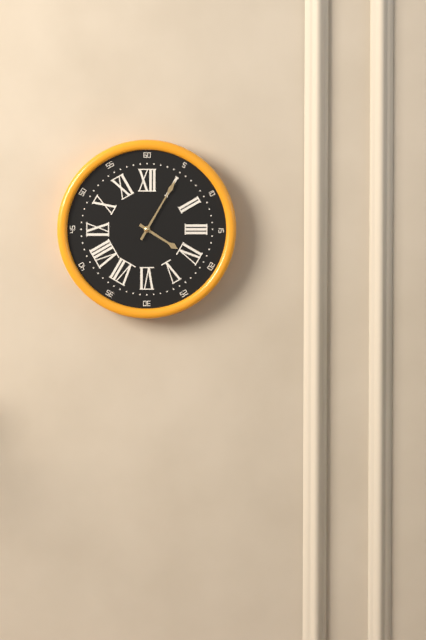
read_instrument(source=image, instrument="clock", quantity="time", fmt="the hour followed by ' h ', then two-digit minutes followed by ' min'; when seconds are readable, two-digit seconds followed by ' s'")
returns 4 h 05 min
